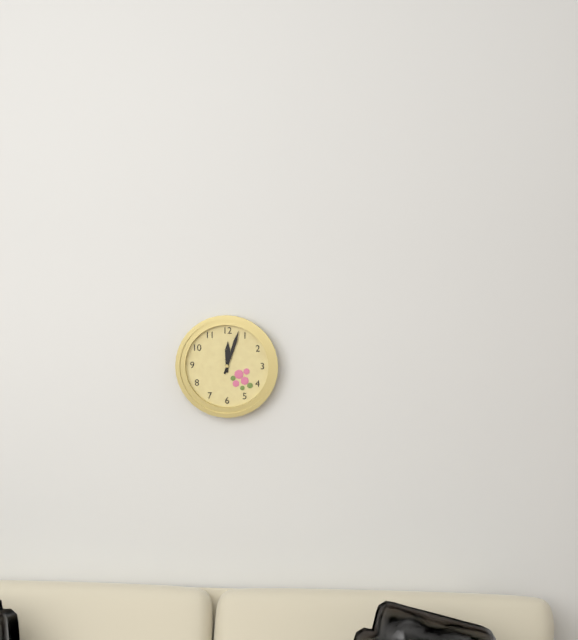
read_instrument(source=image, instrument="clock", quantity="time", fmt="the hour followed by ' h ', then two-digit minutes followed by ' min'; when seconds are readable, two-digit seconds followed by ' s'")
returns 12 h 03 min
